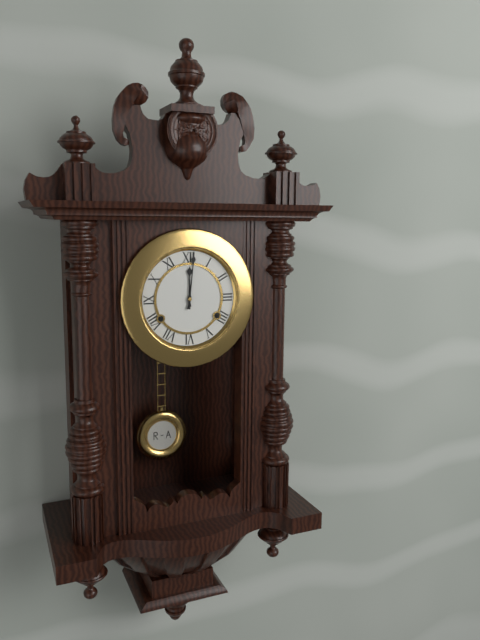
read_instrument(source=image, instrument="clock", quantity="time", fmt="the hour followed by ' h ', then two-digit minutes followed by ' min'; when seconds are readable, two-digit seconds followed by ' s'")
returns 12 h 01 min
